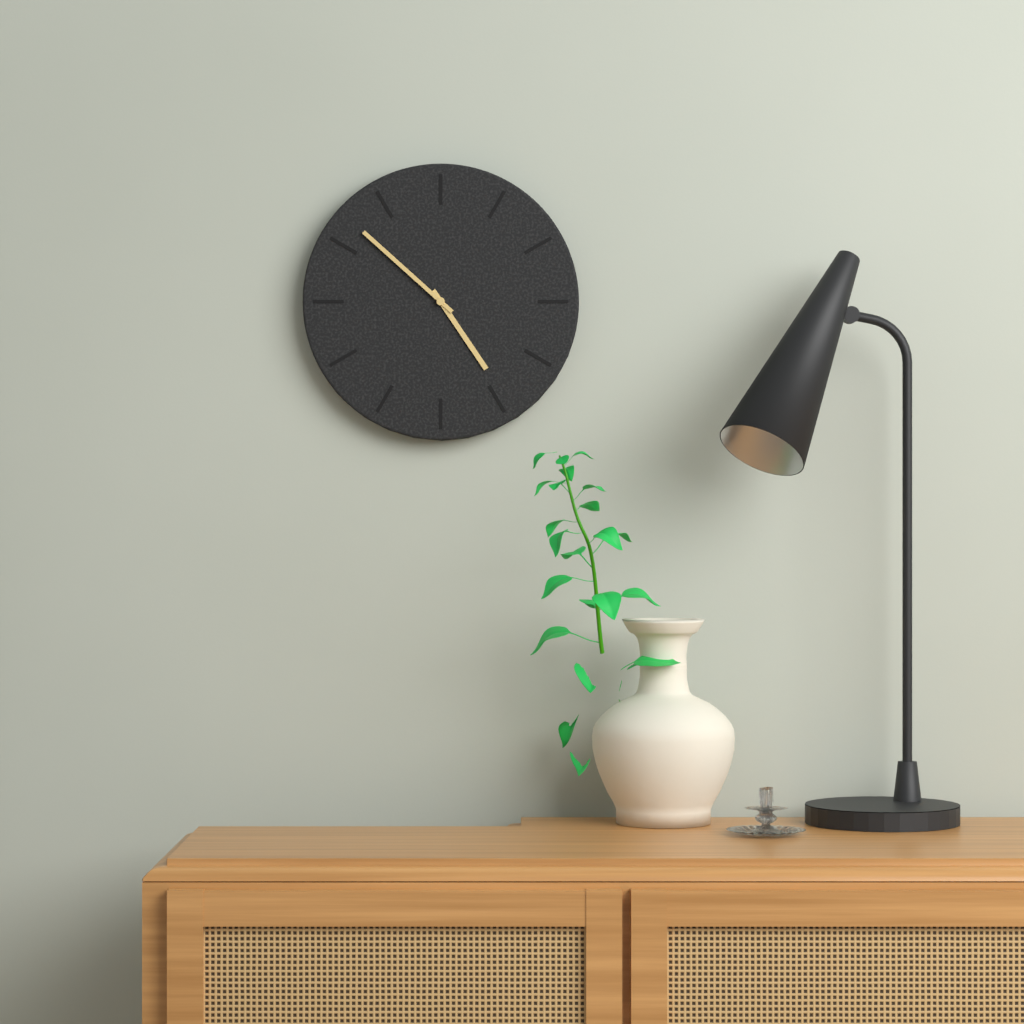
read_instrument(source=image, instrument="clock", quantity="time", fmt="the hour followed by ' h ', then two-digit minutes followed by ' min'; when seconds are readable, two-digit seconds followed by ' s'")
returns 4 h 52 min
